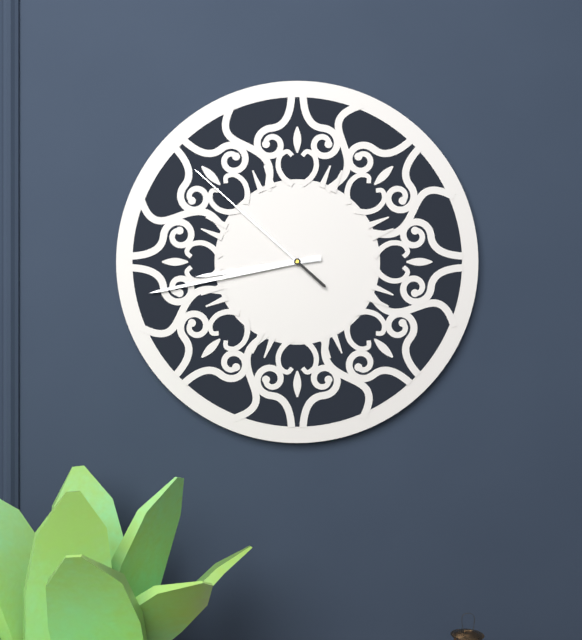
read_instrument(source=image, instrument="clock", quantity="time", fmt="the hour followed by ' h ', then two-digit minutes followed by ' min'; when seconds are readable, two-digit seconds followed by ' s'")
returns 8 h 43 min 52 s
